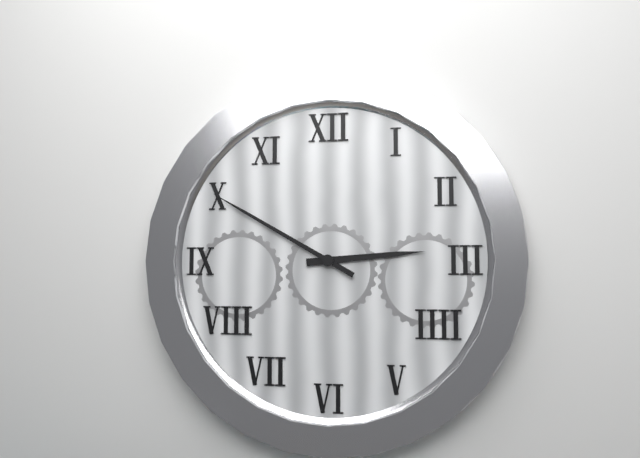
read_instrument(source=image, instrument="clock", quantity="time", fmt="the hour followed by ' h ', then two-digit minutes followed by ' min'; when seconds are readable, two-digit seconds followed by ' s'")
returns 2 h 50 min
